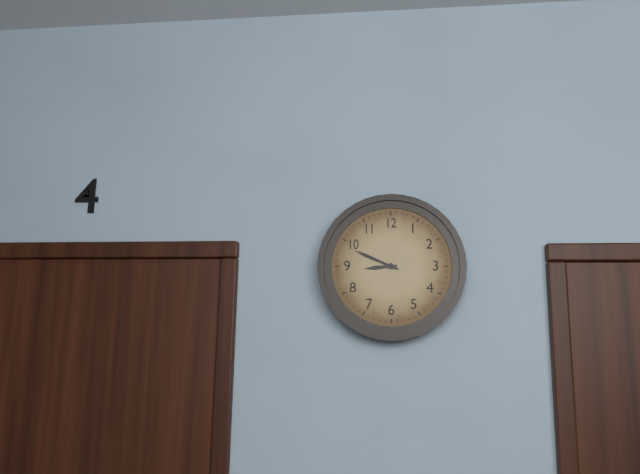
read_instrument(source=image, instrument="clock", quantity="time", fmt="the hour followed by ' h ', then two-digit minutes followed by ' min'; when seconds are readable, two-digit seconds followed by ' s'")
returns 8 h 49 min
